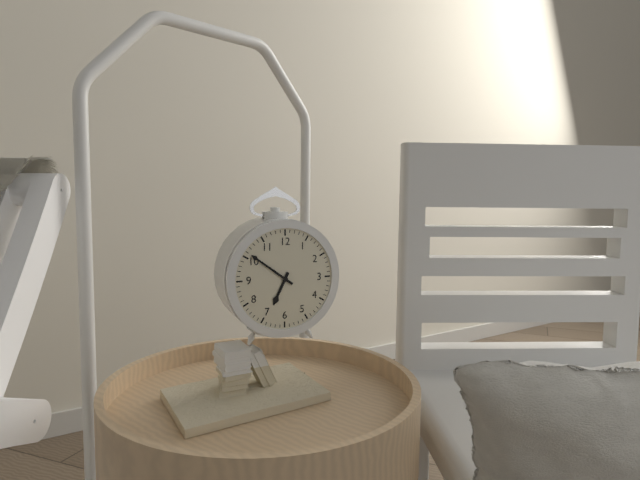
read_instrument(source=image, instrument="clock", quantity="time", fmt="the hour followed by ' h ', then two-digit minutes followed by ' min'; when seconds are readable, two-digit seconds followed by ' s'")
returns 6 h 51 min
